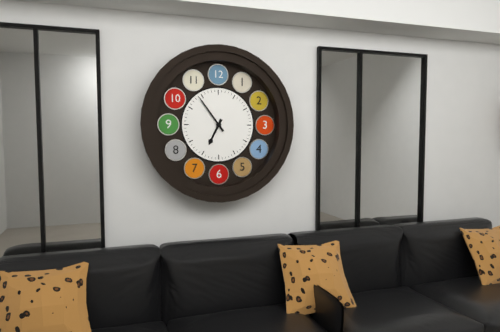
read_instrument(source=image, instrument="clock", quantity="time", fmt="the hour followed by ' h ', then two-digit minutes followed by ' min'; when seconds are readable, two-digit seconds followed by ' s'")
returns 6 h 54 min
